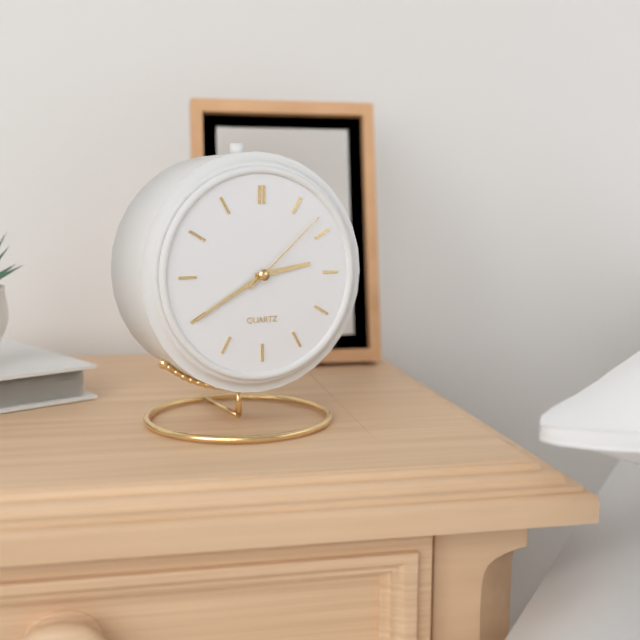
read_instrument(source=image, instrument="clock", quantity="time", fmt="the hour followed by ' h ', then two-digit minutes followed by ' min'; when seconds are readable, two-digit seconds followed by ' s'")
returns 2 h 40 min 08 s
